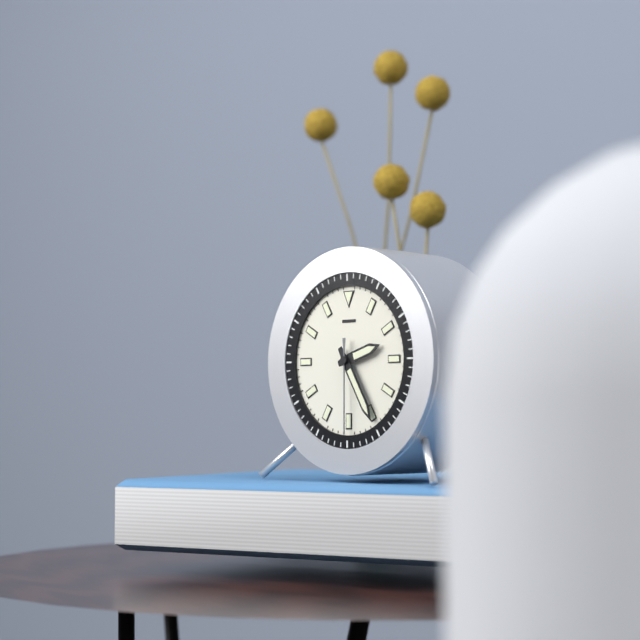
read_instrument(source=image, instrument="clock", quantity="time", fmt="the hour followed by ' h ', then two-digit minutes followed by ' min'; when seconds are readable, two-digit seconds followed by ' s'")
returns 2 h 25 min 30 s
